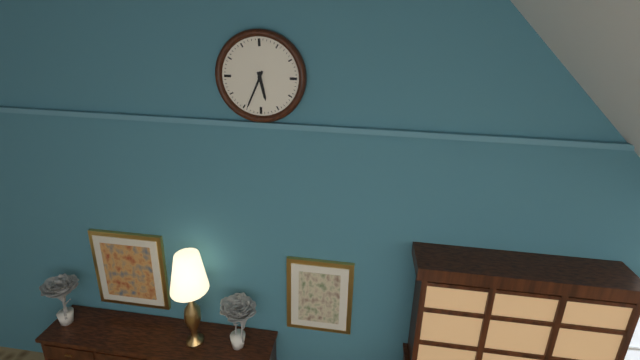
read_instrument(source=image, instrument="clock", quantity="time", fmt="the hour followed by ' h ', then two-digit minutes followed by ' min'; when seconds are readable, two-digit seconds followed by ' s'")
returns 5 h 34 min
